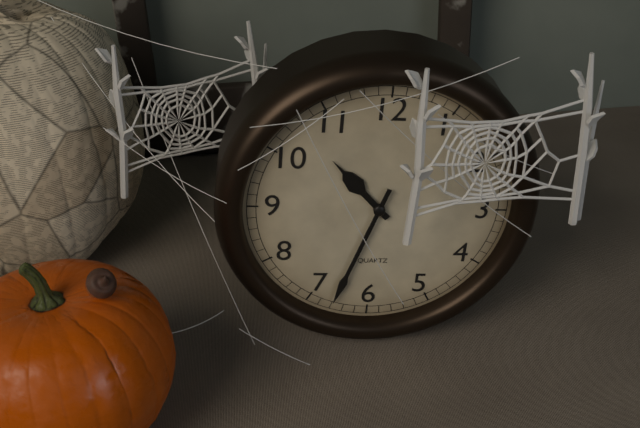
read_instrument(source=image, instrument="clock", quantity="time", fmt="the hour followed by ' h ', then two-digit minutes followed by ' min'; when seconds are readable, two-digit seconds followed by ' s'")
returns 10 h 33 min
